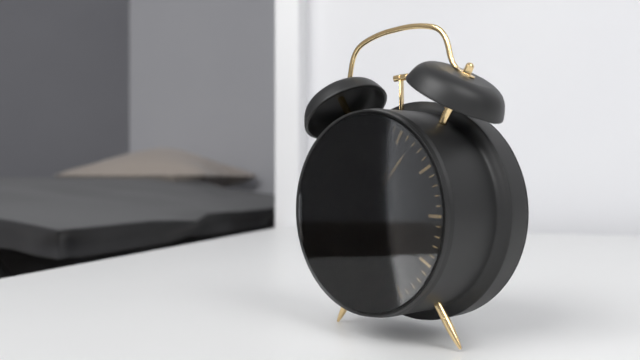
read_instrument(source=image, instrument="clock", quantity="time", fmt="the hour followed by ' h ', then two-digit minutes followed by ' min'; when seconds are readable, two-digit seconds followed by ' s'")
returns 1 h 07 min 57 s
